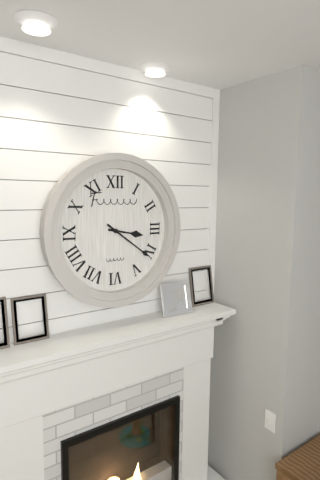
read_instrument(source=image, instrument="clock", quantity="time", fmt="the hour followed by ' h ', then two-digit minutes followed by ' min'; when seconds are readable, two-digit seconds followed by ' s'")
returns 3 h 21 min
